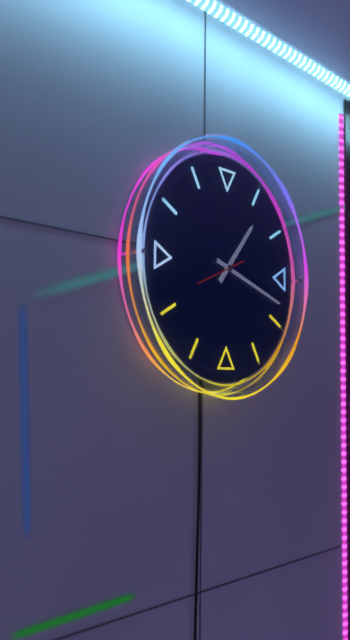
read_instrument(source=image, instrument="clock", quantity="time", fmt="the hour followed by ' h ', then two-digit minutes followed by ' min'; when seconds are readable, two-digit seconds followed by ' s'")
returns 1 h 18 min
